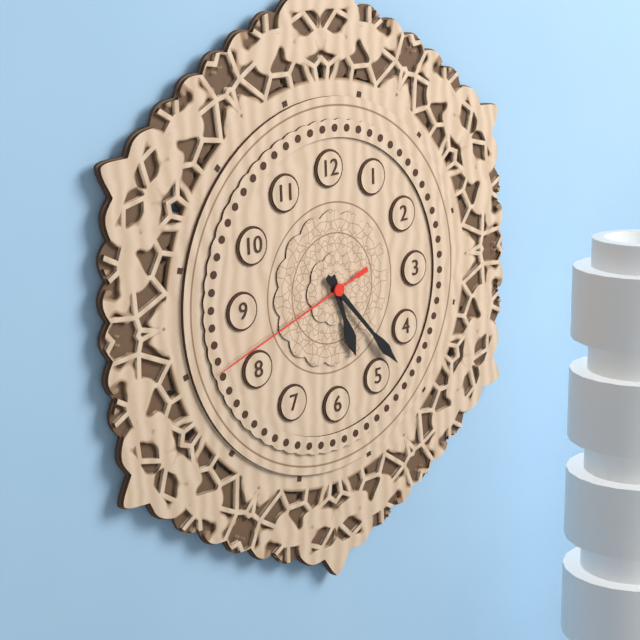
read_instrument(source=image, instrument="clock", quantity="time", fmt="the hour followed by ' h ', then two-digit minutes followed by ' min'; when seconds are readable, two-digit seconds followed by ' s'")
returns 5 h 23 min 42 s
